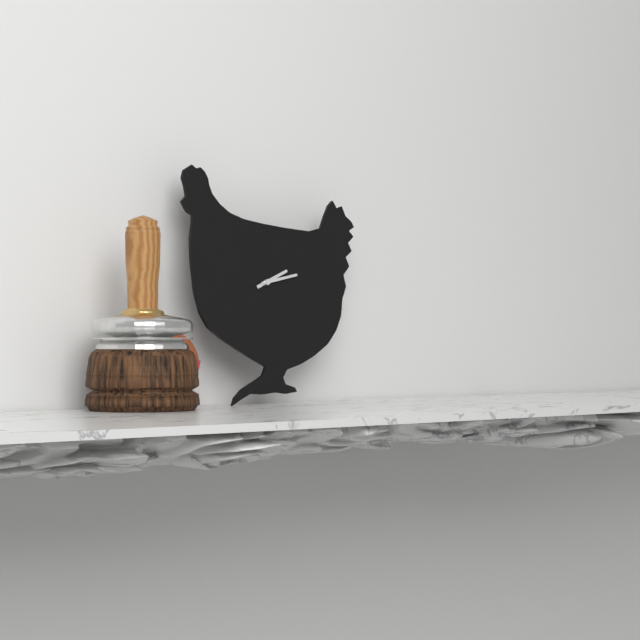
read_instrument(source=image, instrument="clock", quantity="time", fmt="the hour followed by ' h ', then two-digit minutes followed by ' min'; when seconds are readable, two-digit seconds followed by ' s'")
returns 2 h 13 min
